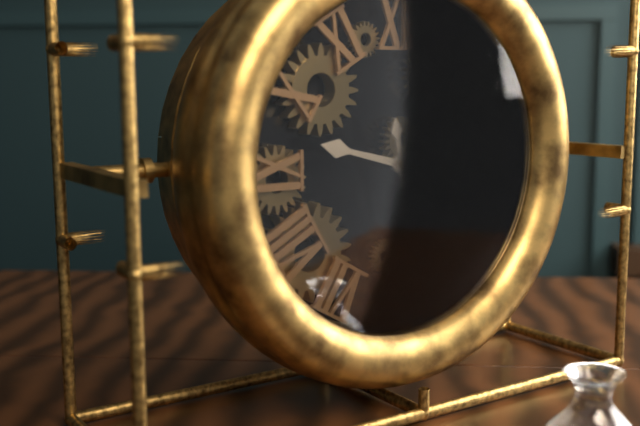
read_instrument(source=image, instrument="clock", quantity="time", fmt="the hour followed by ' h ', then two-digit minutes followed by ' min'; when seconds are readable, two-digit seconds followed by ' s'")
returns 9 h 28 min
